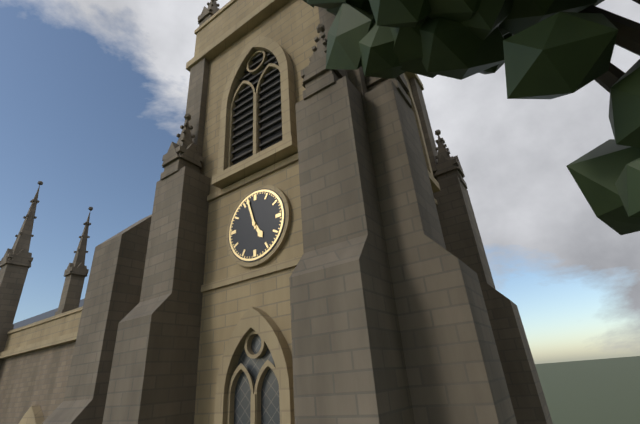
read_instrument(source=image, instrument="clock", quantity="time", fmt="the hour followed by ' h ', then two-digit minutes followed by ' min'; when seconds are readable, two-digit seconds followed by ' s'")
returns 4 h 57 min
